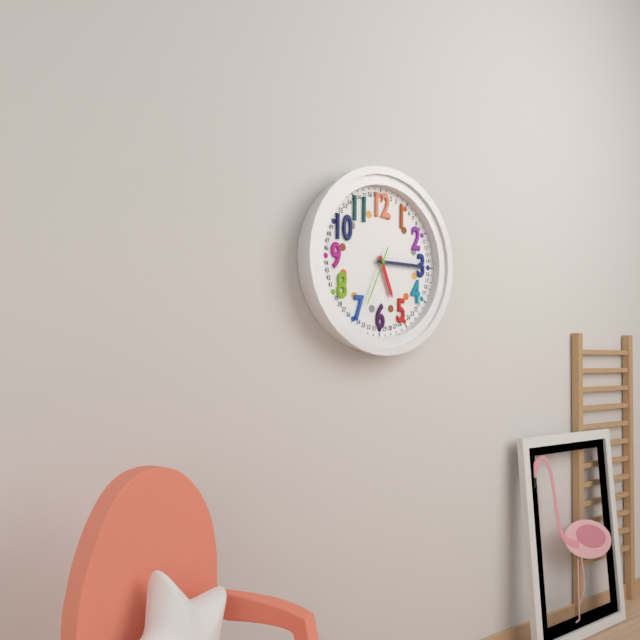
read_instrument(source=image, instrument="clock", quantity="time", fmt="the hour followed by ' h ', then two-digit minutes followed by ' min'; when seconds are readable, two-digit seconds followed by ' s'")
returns 5 h 15 min 34 s
